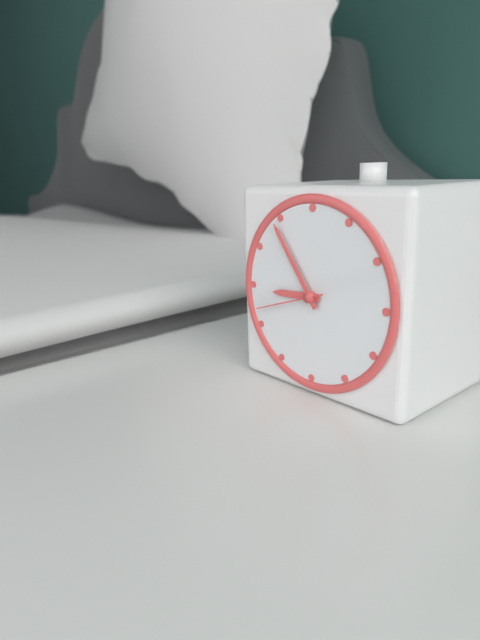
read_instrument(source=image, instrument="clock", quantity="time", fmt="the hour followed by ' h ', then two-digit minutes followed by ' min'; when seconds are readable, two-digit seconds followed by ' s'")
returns 8 h 54 min 42 s
